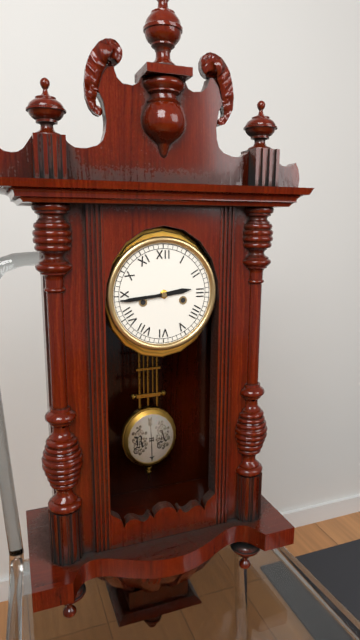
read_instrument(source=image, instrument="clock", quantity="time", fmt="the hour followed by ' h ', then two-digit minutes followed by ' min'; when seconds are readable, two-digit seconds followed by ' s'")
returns 2 h 44 min
